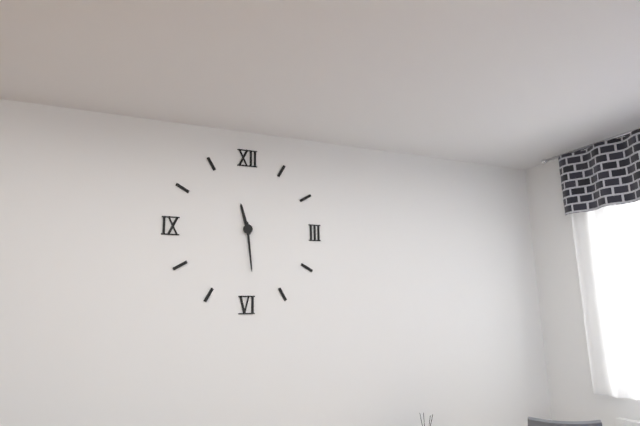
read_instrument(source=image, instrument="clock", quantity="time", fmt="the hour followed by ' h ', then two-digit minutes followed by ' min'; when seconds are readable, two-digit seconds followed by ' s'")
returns 11 h 29 min
